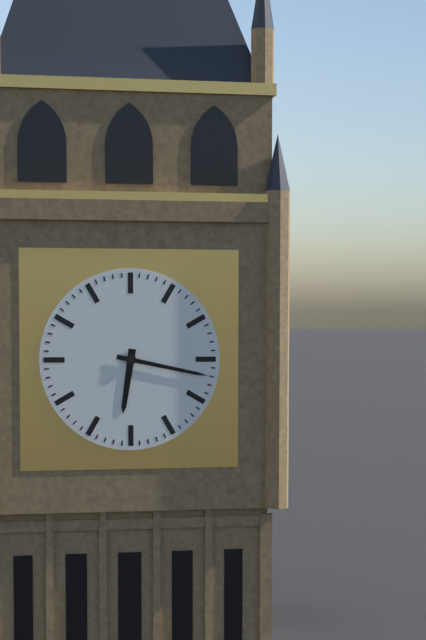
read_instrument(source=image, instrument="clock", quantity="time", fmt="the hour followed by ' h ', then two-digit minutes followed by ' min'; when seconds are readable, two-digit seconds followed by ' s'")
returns 6 h 17 min
